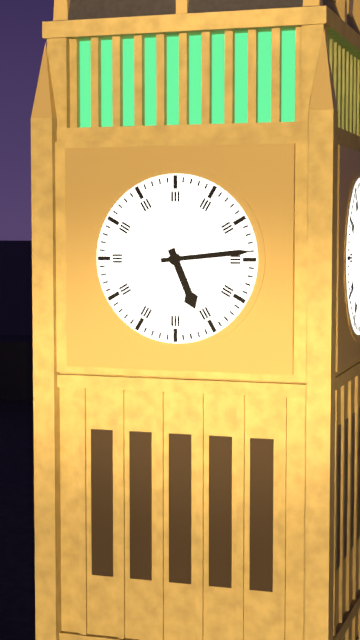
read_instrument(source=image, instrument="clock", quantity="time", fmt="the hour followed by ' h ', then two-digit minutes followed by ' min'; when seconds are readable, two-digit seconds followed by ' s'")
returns 5 h 14 min
